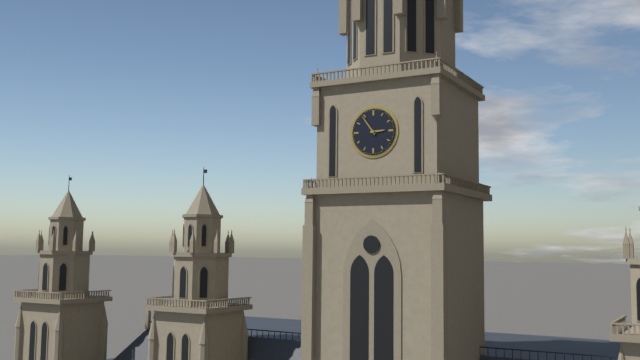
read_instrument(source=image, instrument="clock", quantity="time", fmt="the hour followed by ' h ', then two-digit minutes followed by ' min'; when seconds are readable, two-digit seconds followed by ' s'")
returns 2 h 54 min
